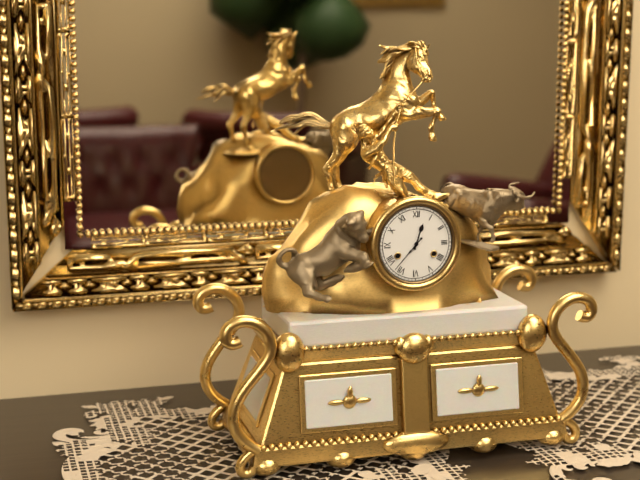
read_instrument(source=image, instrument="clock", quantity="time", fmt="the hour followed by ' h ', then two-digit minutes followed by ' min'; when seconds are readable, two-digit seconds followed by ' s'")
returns 12 h 37 min
